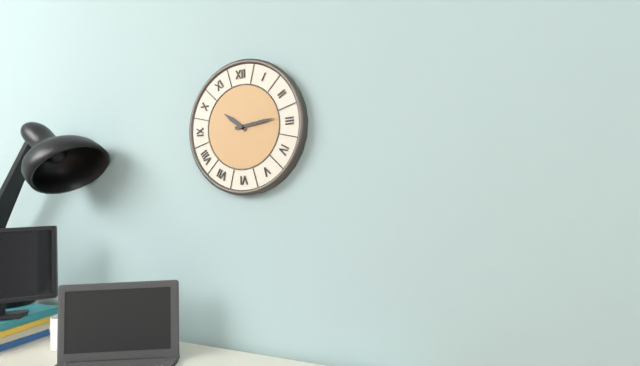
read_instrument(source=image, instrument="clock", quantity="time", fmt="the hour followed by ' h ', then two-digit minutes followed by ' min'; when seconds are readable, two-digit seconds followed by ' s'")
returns 10 h 14 min
